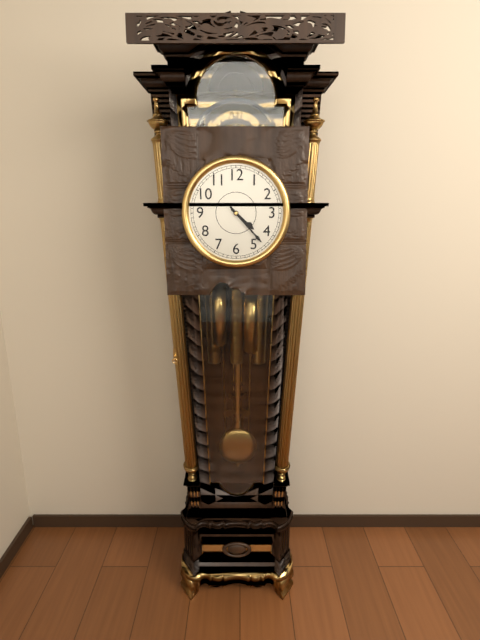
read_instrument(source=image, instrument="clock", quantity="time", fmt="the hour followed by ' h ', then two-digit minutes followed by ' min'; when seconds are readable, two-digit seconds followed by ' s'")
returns 4 h 23 min
